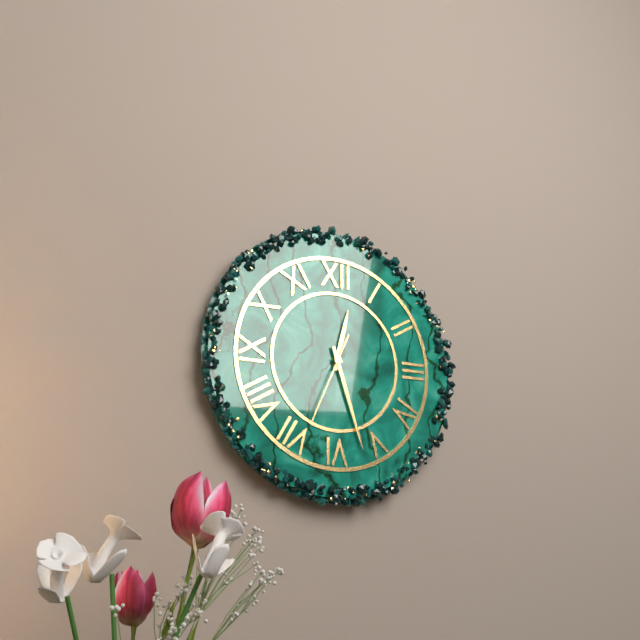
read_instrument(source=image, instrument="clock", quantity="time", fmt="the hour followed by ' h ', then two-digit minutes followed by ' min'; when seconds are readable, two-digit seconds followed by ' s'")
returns 12 h 27 min 34 s
